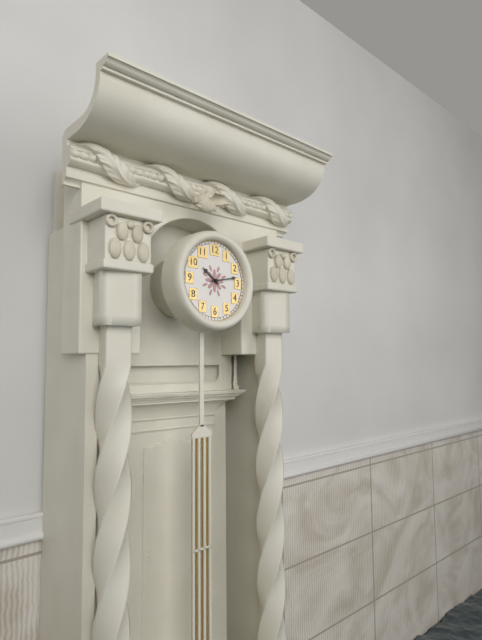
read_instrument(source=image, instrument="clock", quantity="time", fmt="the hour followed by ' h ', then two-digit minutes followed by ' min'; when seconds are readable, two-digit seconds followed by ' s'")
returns 10 h 13 min
